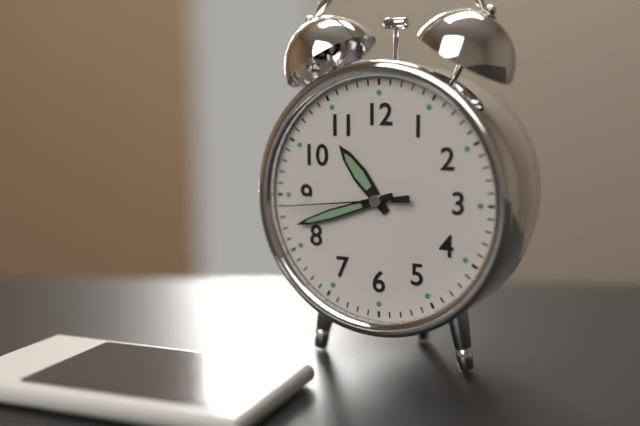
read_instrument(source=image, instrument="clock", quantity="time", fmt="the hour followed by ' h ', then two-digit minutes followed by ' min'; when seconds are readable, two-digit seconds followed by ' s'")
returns 10 h 42 min 44 s
